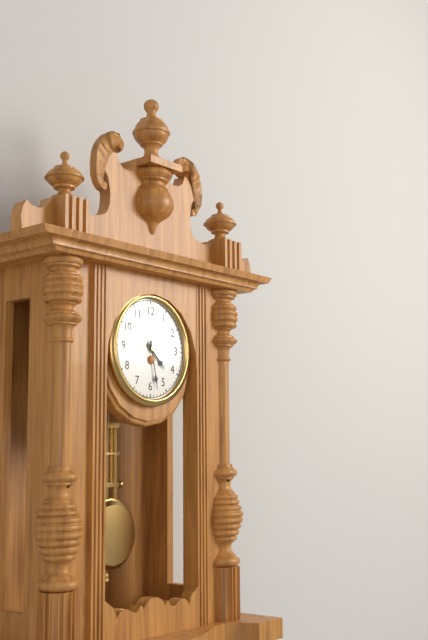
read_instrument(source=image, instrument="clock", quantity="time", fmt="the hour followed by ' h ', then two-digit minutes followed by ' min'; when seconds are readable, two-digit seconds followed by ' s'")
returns 4 h 28 min
